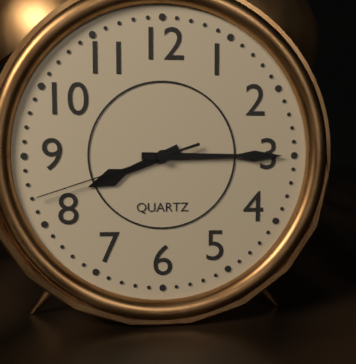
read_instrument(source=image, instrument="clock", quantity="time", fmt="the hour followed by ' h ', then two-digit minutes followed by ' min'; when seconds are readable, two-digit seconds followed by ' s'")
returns 8 h 15 min 42 s
